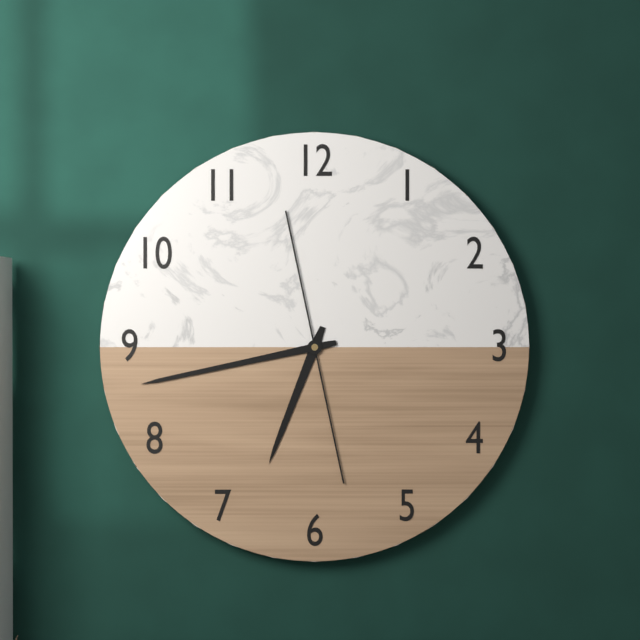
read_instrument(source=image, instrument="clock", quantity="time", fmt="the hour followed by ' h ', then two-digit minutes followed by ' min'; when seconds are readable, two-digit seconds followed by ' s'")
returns 6 h 43 min
